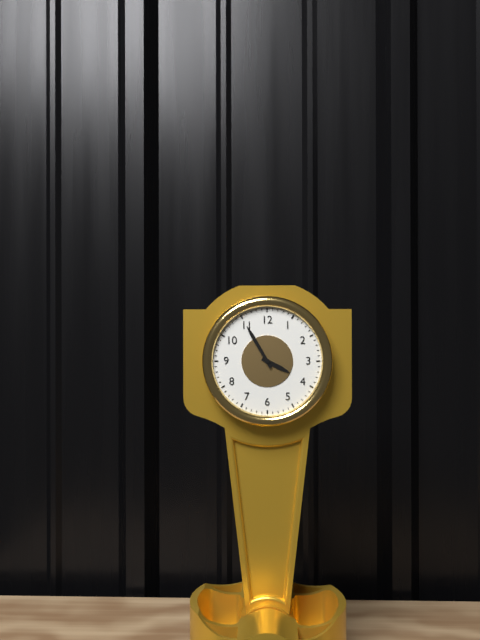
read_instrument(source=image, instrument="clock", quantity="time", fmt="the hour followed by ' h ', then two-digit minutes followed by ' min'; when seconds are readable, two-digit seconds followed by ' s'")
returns 3 h 55 min
